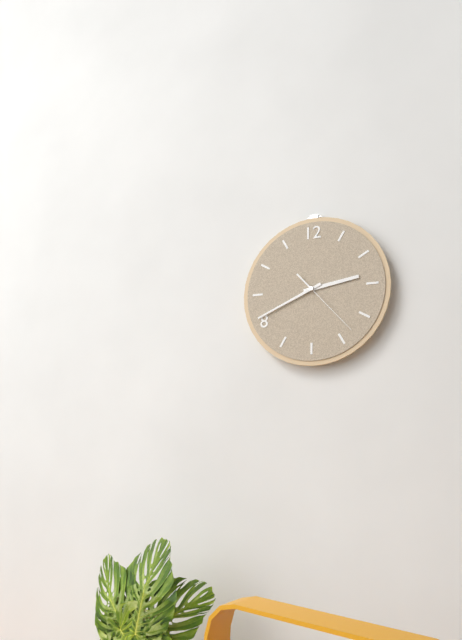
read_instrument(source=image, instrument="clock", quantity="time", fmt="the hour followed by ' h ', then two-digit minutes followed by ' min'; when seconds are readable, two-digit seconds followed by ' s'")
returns 2 h 41 min 23 s
